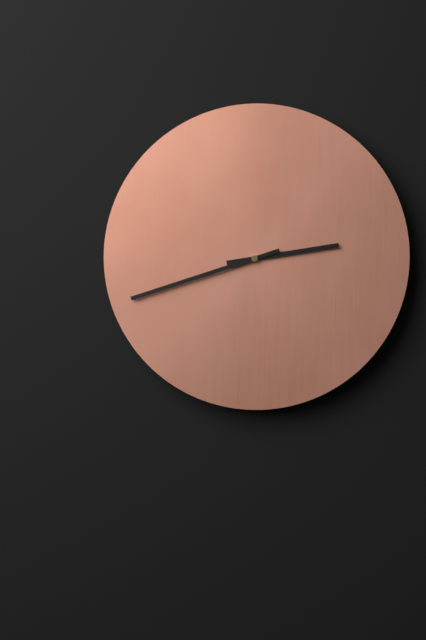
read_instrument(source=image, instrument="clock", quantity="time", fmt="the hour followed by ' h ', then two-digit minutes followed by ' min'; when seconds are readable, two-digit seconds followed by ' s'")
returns 2 h 42 min
